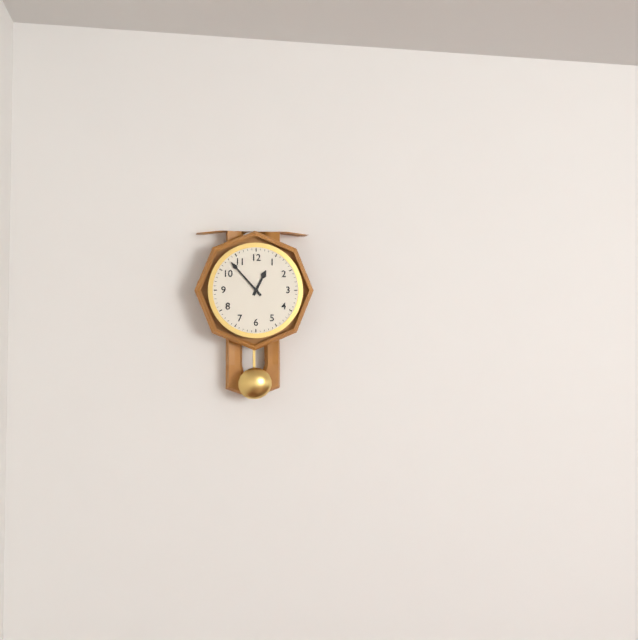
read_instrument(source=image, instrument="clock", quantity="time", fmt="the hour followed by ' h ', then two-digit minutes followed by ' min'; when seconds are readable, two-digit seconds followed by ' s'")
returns 12 h 53 min
